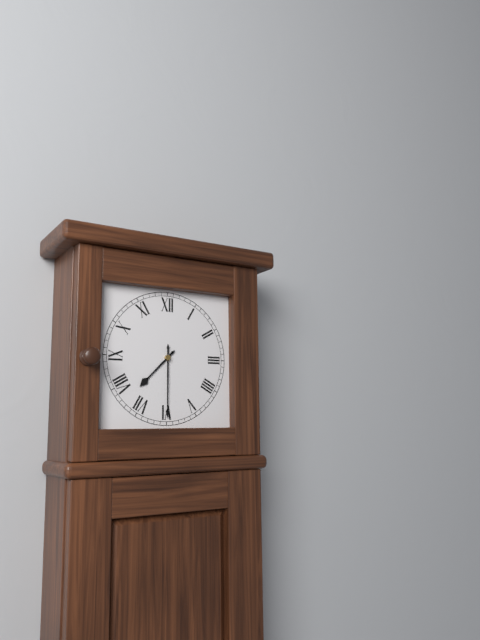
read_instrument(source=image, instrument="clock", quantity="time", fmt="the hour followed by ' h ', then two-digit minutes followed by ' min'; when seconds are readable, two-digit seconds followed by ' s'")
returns 7 h 30 min
